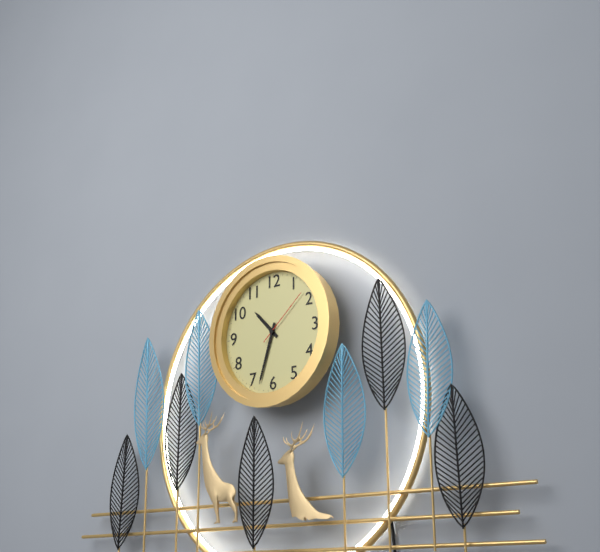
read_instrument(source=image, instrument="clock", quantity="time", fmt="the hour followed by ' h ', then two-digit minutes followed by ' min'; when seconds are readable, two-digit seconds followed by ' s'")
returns 10 h 33 min 08 s
